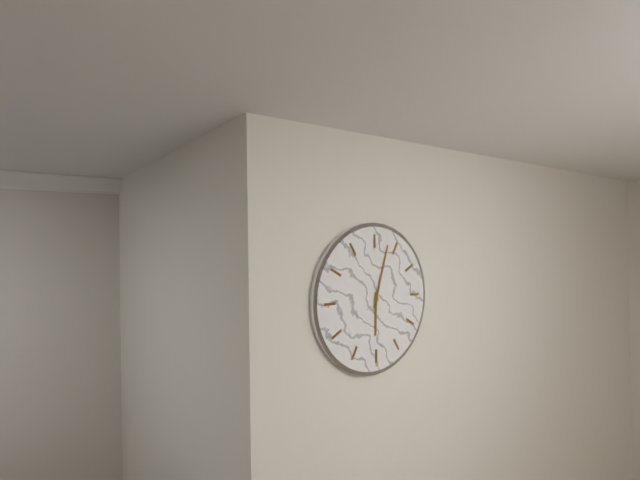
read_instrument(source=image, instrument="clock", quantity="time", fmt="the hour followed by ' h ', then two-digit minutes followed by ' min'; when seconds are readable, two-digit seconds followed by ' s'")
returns 6 h 03 min
